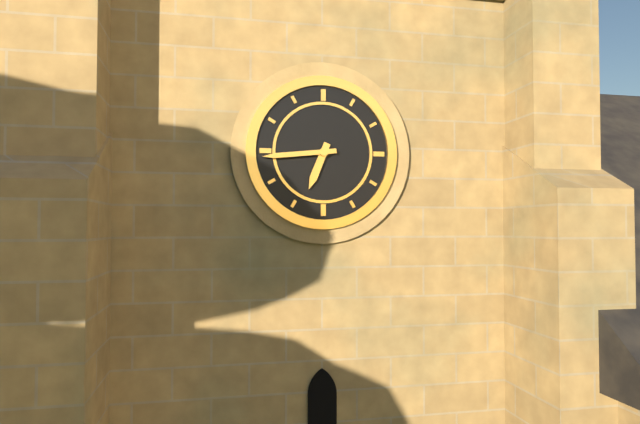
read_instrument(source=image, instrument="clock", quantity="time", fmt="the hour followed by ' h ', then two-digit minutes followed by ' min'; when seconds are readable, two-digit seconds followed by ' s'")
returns 6 h 44 min
